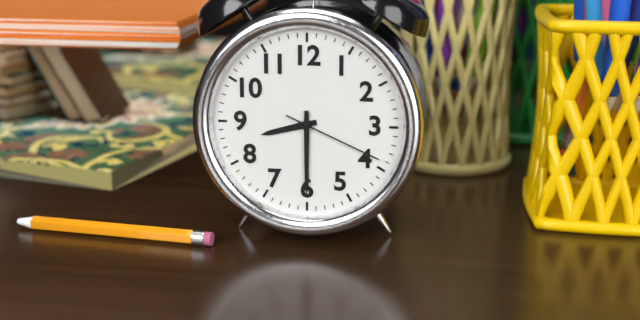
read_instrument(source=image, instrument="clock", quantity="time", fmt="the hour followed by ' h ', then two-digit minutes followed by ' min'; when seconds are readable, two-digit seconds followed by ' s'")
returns 8 h 30 min 19 s
